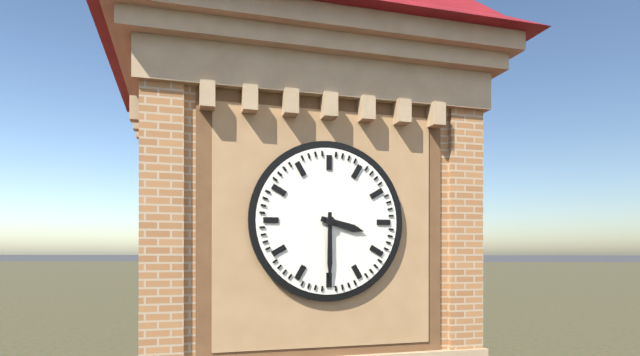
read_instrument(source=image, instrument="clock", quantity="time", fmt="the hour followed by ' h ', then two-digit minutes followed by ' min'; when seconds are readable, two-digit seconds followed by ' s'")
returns 3 h 30 min
